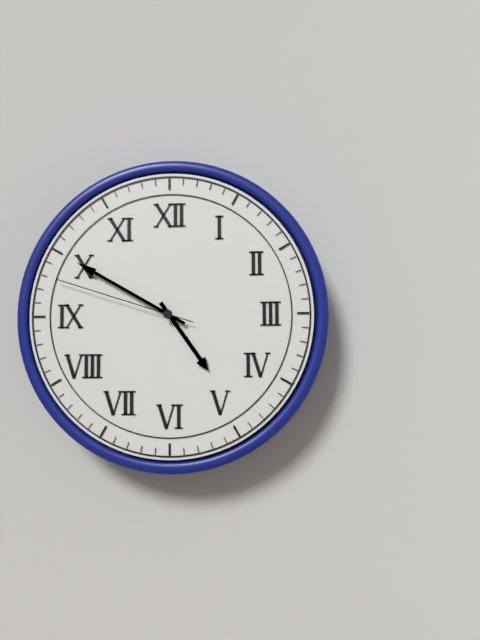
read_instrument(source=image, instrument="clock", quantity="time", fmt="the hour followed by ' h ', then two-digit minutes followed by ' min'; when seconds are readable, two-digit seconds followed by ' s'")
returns 4 h 50 min 48 s
